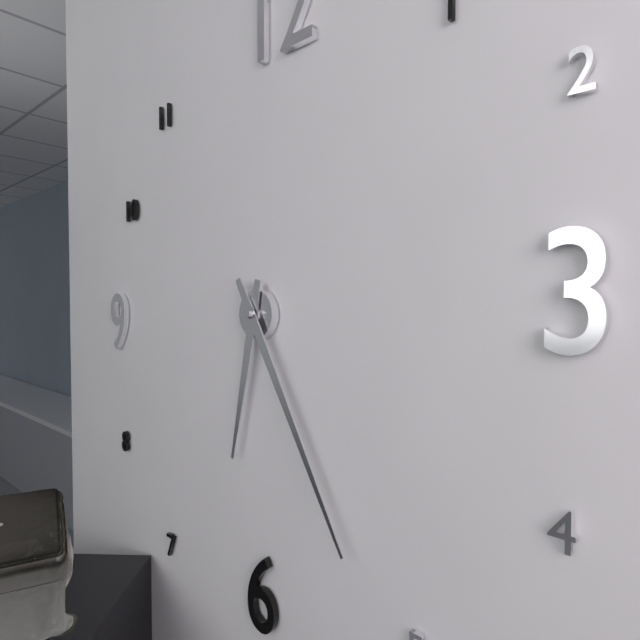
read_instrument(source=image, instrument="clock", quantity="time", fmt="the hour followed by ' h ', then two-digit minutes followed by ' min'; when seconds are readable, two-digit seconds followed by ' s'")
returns 6 h 25 min
